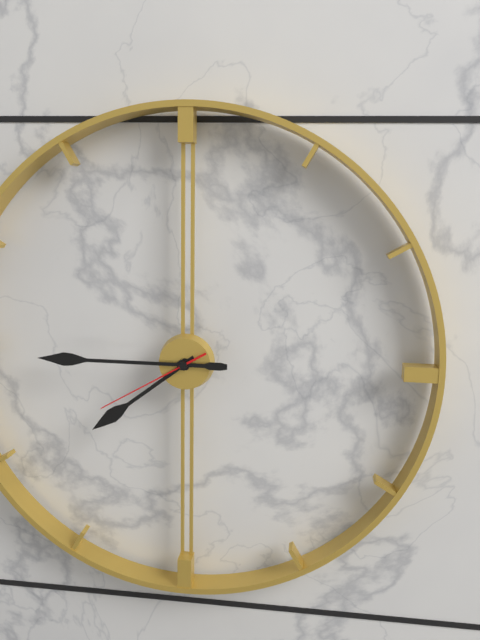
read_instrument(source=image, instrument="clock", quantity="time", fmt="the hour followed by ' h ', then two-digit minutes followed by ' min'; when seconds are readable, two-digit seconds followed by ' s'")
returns 7 h 45 min 40 s
